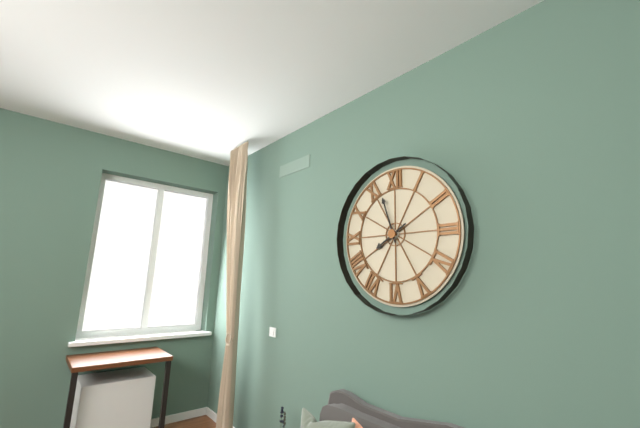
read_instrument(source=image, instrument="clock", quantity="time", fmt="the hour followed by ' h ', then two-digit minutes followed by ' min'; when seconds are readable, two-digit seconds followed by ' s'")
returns 7 h 57 min
